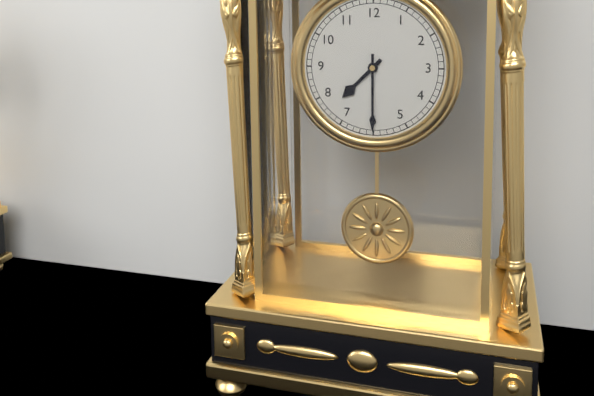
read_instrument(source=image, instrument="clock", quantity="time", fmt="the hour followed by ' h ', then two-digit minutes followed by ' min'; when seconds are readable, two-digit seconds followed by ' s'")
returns 7 h 30 min
